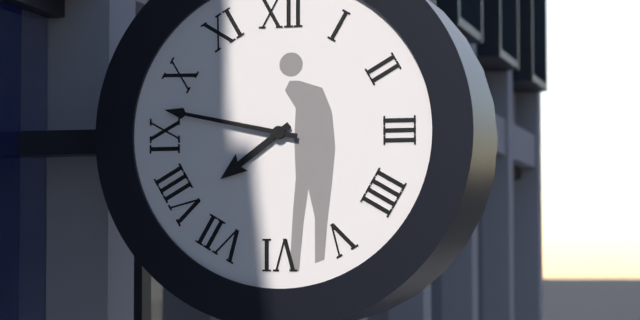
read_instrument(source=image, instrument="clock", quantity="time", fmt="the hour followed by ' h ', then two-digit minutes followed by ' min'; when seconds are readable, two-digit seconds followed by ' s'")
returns 7 h 47 min
